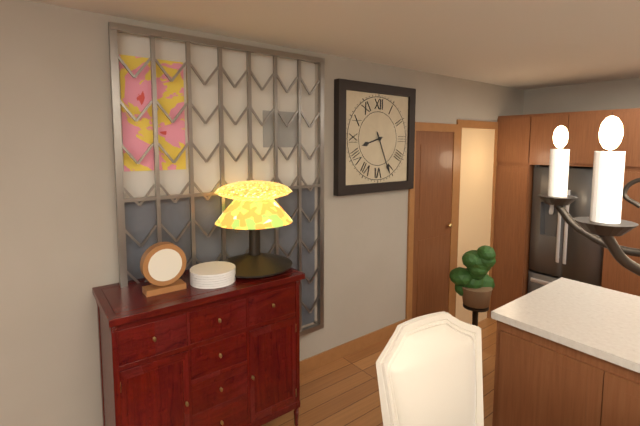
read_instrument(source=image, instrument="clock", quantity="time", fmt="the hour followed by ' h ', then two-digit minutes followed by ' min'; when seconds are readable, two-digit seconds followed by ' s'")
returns 8 h 26 min
